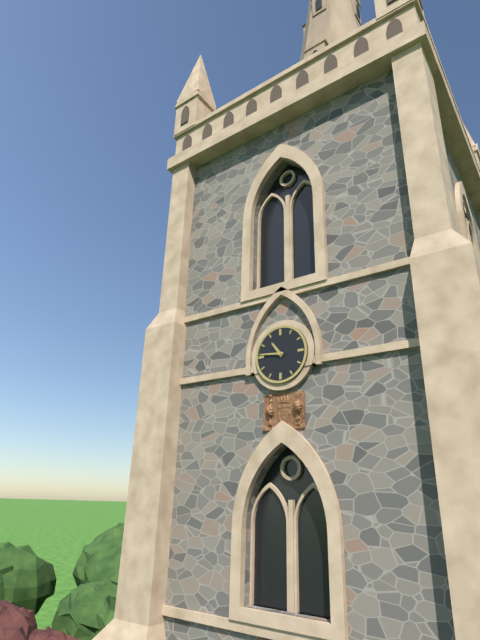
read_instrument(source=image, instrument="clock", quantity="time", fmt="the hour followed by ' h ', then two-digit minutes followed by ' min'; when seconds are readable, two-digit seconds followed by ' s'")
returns 10 h 46 min
